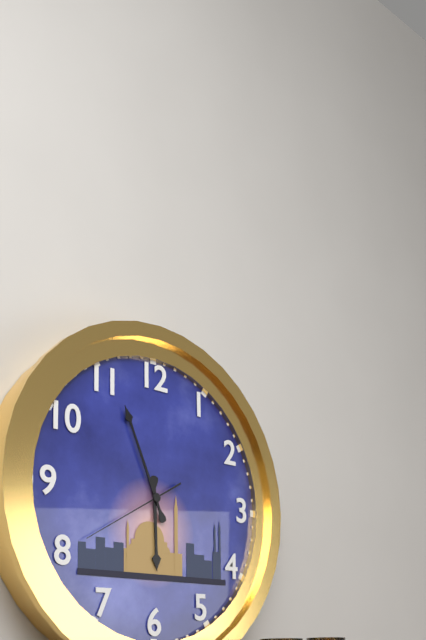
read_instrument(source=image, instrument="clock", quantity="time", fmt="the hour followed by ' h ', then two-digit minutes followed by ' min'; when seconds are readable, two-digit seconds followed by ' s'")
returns 5 h 56 min 40 s
